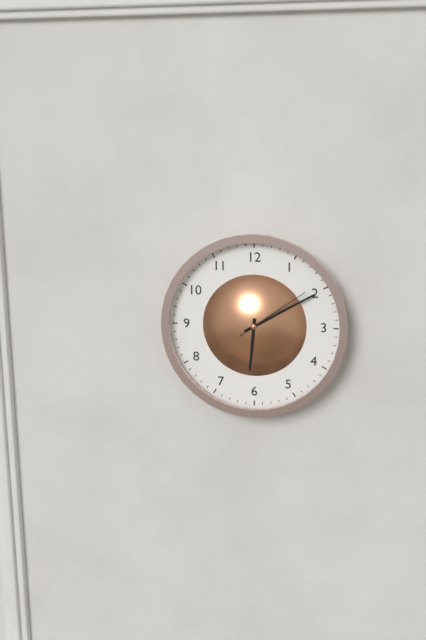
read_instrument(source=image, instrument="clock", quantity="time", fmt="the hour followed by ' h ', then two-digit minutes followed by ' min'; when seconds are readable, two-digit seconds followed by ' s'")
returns 6 h 10 min 09 s
